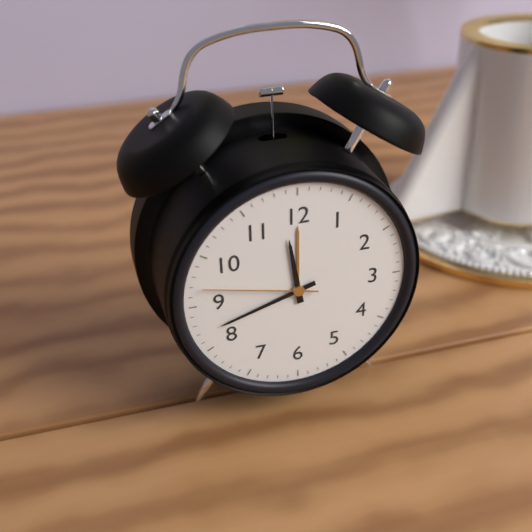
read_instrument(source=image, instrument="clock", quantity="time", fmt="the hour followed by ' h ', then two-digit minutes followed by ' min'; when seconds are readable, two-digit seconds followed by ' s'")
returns 11 h 42 min 47 s
